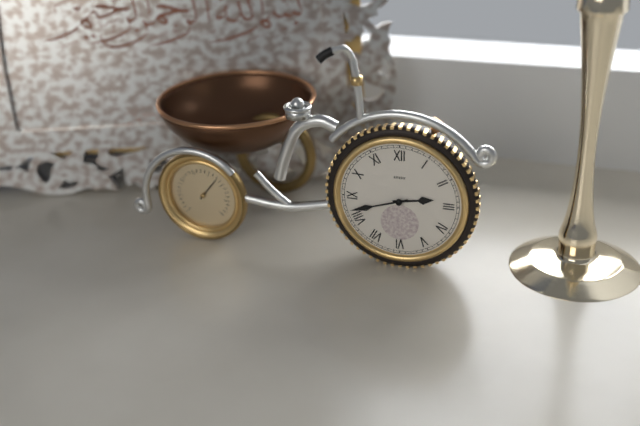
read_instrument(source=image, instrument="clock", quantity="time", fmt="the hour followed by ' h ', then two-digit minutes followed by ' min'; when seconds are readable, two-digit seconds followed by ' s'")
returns 2 h 42 min
